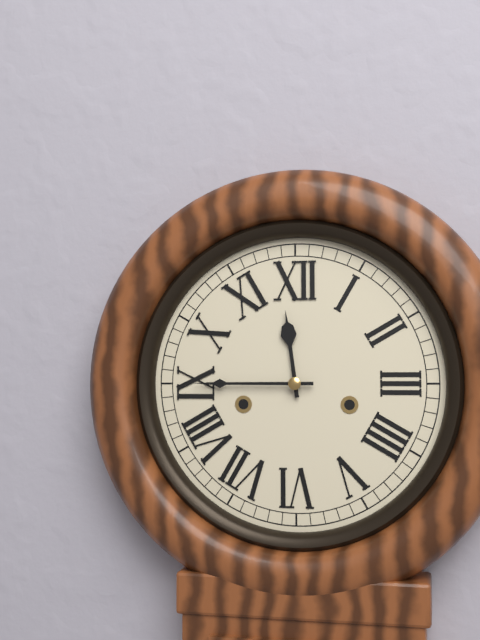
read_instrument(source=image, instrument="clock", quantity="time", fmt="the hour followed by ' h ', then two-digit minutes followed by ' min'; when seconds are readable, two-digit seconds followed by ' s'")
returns 11 h 45 min
